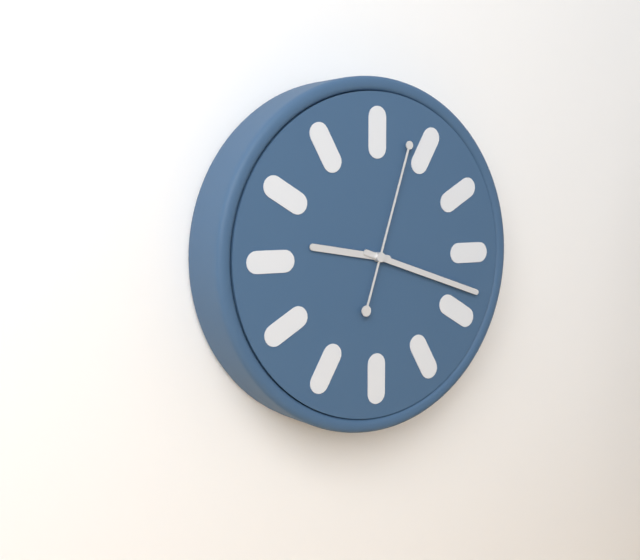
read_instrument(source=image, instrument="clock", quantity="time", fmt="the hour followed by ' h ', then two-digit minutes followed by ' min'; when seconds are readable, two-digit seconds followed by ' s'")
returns 9 h 18 min 03 s
